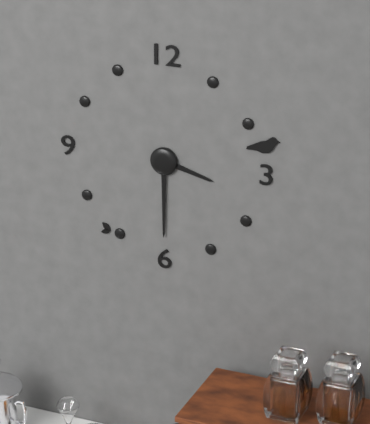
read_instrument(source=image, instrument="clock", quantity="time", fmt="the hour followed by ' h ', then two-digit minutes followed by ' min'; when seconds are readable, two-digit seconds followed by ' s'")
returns 3 h 30 min
